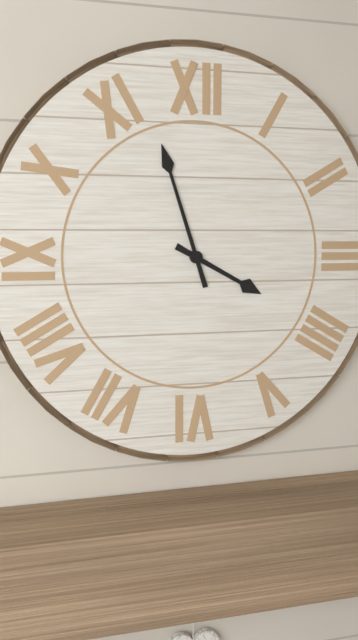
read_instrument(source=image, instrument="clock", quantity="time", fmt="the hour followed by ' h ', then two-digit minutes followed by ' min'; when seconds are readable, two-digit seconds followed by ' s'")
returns 3 h 57 min
